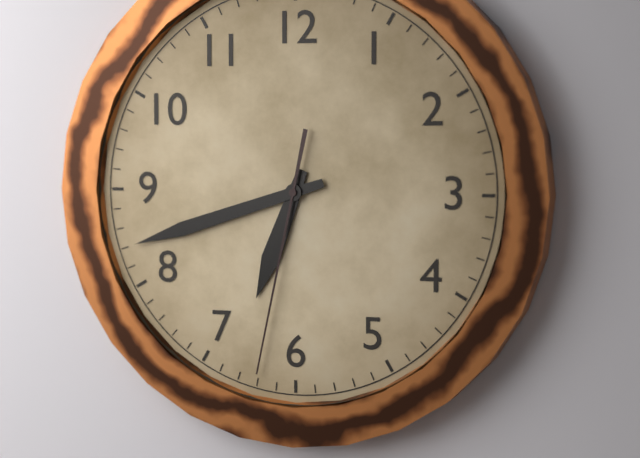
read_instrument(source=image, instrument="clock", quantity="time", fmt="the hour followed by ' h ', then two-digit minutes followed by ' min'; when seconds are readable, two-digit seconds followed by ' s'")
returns 6 h 42 min 32 s
